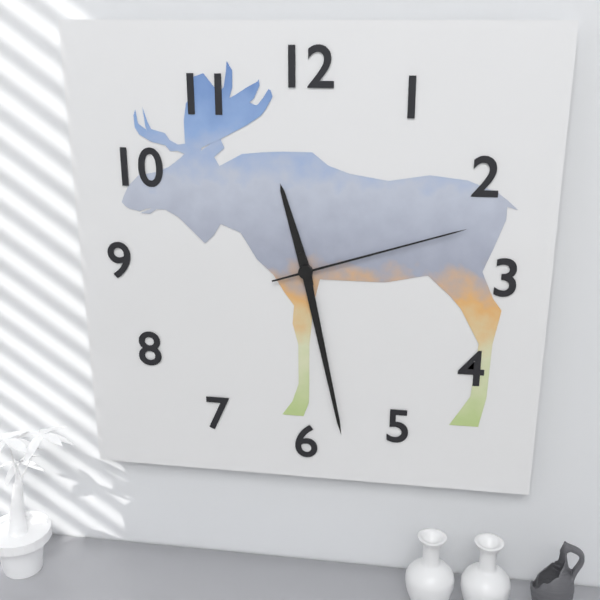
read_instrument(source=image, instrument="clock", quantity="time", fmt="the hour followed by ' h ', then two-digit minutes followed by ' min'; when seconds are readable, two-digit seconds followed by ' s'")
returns 11 h 28 min 12 s
